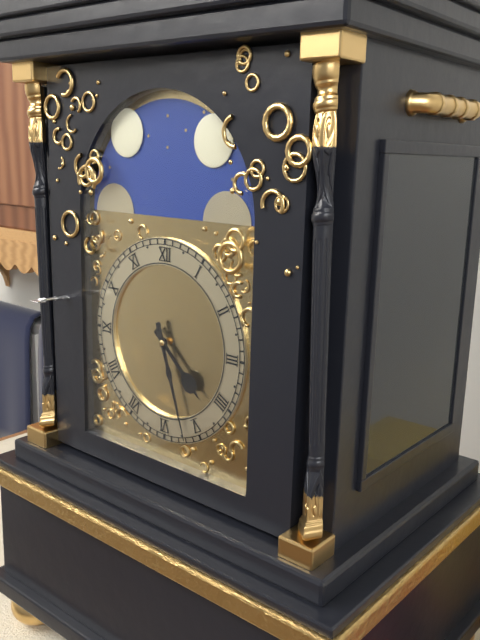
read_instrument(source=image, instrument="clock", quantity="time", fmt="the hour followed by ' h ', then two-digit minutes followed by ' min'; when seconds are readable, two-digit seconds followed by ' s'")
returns 4 h 27 min
